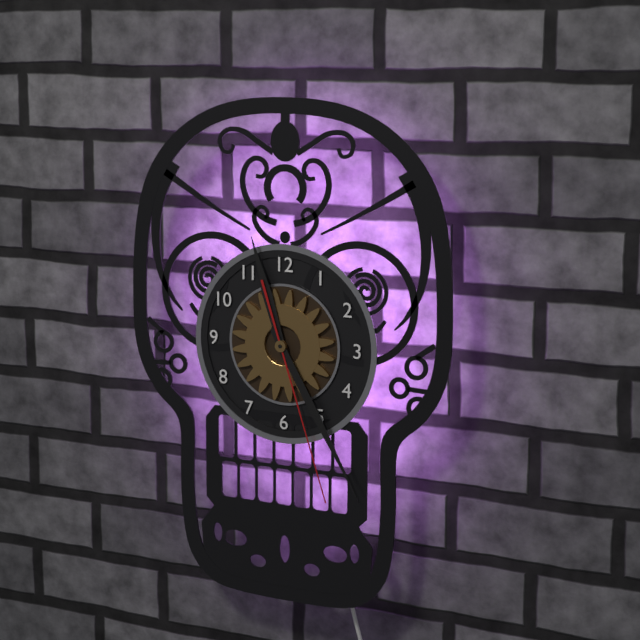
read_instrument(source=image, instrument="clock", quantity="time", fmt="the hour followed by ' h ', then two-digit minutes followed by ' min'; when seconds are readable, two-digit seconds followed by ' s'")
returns 11 h 25 min 27 s
